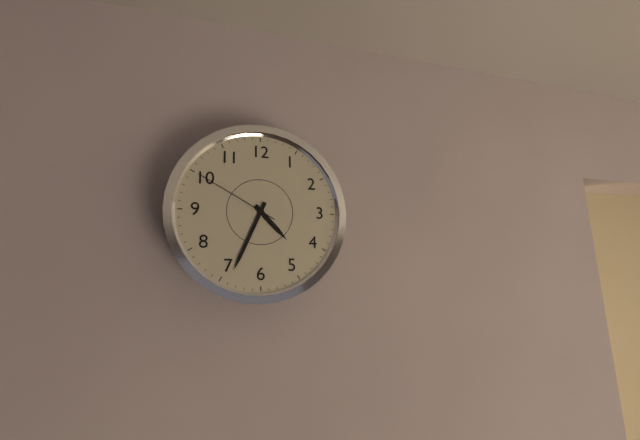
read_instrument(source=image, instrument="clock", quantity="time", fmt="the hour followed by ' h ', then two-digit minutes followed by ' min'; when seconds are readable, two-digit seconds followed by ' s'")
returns 4 h 34 min 50 s
